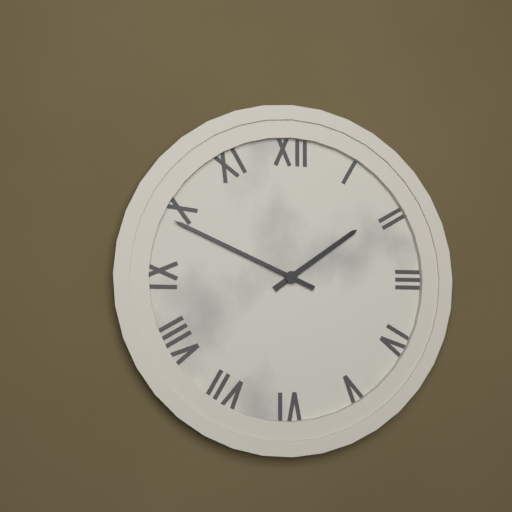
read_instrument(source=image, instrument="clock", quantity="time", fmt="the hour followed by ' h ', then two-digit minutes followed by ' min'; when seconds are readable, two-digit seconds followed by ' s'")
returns 1 h 49 min
